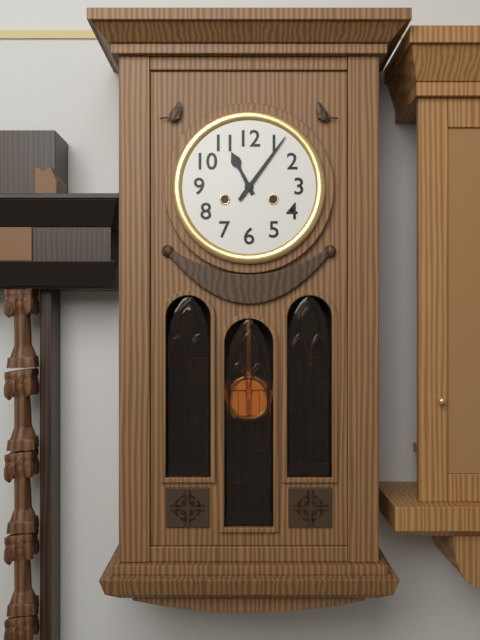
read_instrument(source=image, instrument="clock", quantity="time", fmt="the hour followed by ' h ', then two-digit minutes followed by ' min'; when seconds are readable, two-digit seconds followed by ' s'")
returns 11 h 06 min
